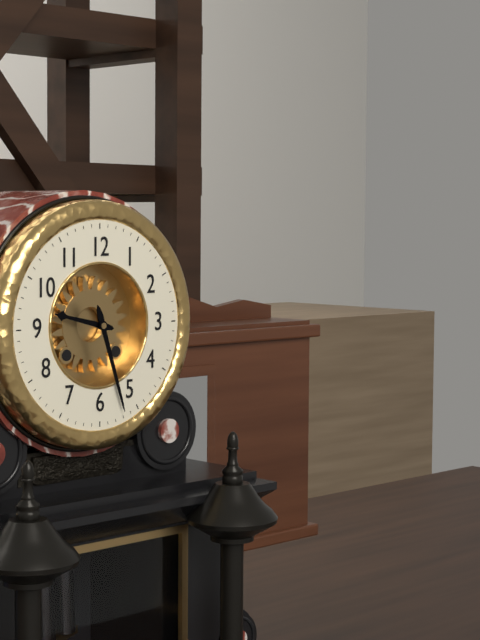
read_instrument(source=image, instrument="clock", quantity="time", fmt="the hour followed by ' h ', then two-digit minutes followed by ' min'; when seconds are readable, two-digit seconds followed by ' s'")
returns 9 h 27 min
